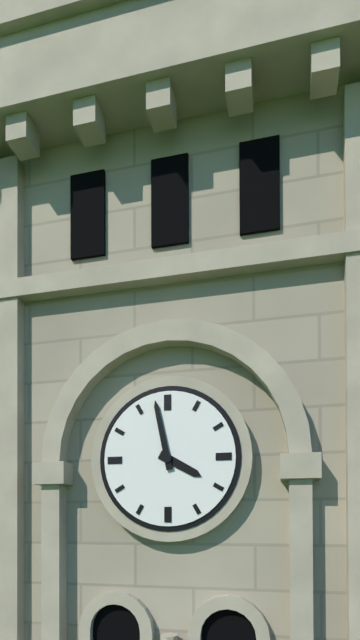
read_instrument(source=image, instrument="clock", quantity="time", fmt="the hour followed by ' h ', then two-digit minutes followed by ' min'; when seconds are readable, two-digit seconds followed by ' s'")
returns 3 h 58 min
